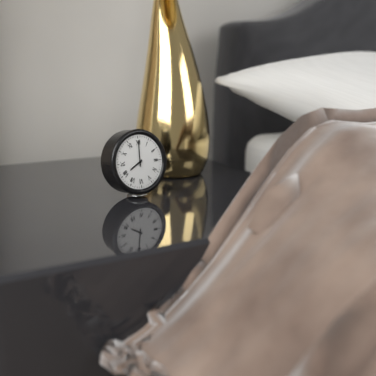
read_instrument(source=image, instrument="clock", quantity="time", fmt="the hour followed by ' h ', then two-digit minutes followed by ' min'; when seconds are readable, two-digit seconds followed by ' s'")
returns 8 h 00 min
